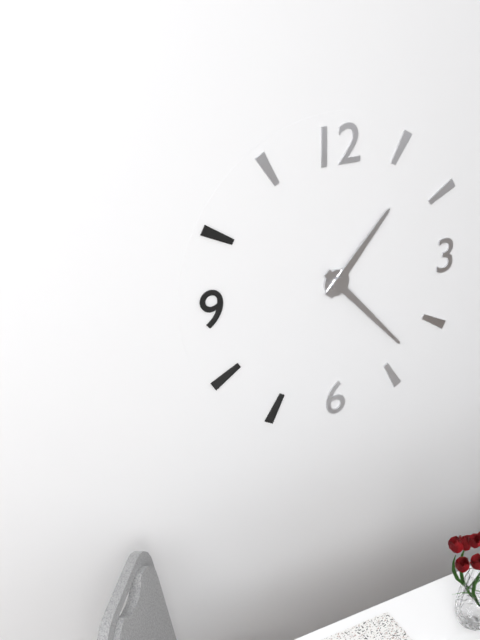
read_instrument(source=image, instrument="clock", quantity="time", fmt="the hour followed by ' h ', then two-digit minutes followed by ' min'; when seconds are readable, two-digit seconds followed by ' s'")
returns 1 h 23 min
